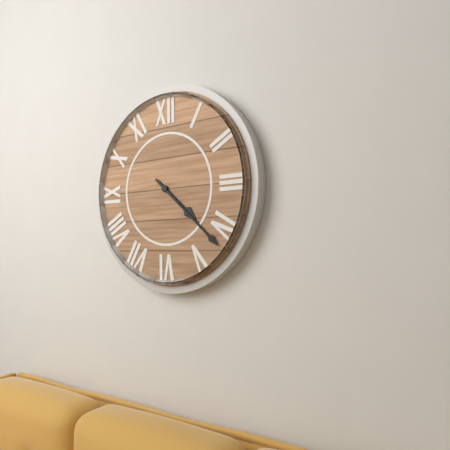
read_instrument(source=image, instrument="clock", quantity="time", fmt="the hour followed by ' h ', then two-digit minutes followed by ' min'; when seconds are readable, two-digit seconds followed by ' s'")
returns 4 h 22 min
